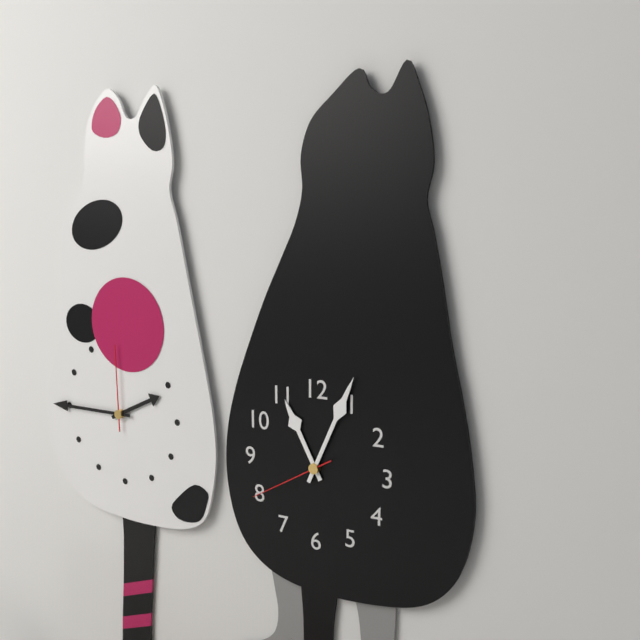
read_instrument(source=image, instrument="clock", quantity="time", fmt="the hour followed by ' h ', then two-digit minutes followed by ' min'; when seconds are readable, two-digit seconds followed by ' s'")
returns 11 h 04 min 40 s
